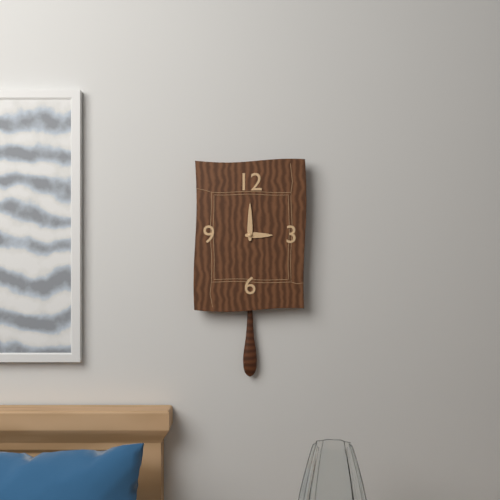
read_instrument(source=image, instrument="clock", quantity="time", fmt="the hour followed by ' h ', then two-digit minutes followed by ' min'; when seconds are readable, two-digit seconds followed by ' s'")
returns 3 h 00 min
